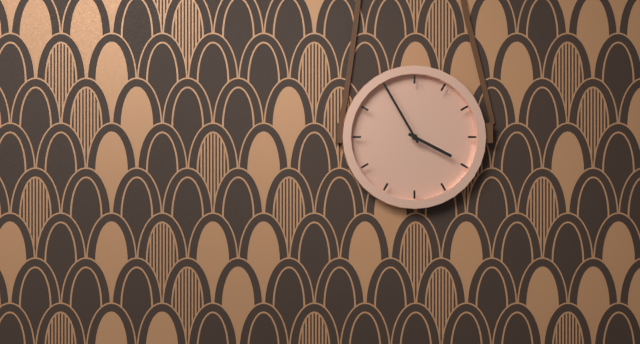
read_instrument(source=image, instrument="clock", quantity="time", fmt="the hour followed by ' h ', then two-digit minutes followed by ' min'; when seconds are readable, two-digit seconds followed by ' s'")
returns 3 h 55 min
